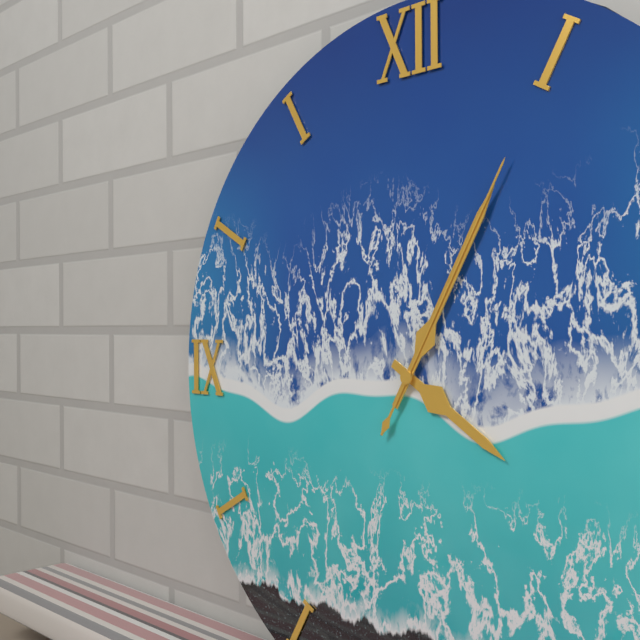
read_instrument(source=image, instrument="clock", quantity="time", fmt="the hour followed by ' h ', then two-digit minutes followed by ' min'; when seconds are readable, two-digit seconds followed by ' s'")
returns 4 h 05 min 05 s
